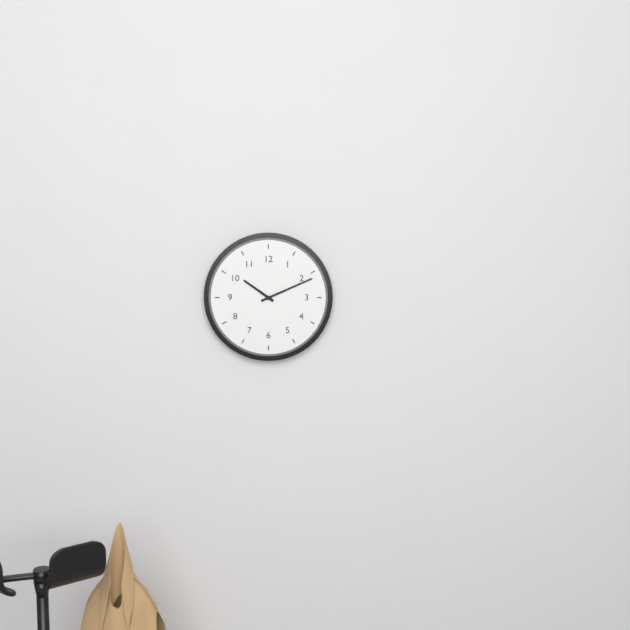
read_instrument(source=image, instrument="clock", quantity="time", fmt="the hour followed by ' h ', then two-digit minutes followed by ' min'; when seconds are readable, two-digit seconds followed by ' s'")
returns 10 h 11 min
